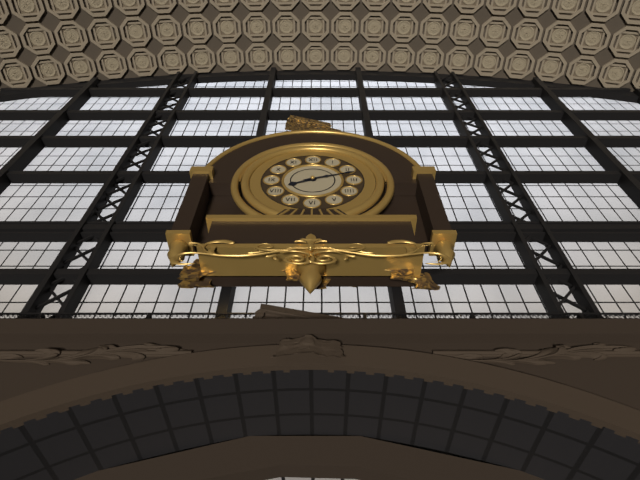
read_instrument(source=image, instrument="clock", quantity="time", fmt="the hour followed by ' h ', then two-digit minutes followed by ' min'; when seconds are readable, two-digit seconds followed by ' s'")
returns 8 h 12 min
